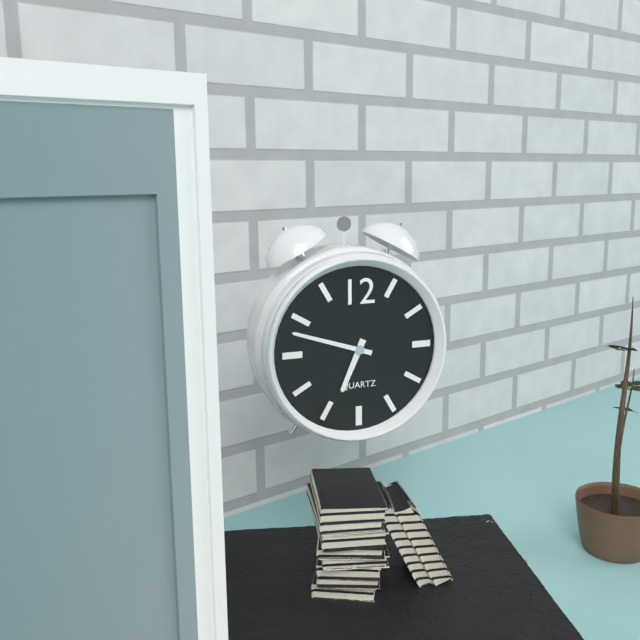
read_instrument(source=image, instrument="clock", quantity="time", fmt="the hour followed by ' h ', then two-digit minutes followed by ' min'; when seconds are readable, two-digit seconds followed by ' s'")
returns 6 h 48 min
